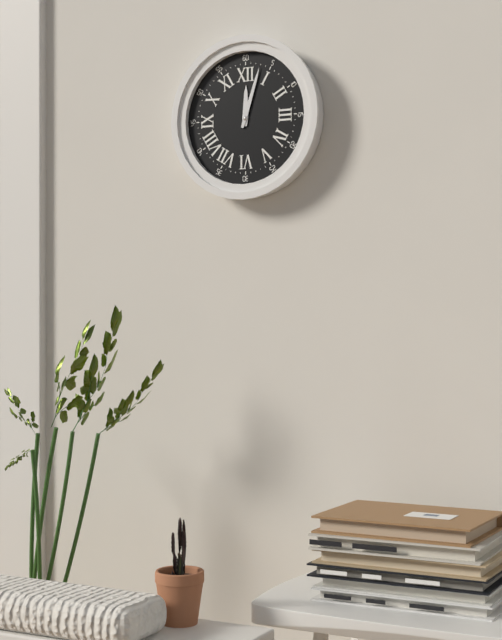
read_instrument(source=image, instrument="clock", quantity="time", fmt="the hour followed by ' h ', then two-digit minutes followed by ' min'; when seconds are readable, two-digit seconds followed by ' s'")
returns 12 h 03 min
